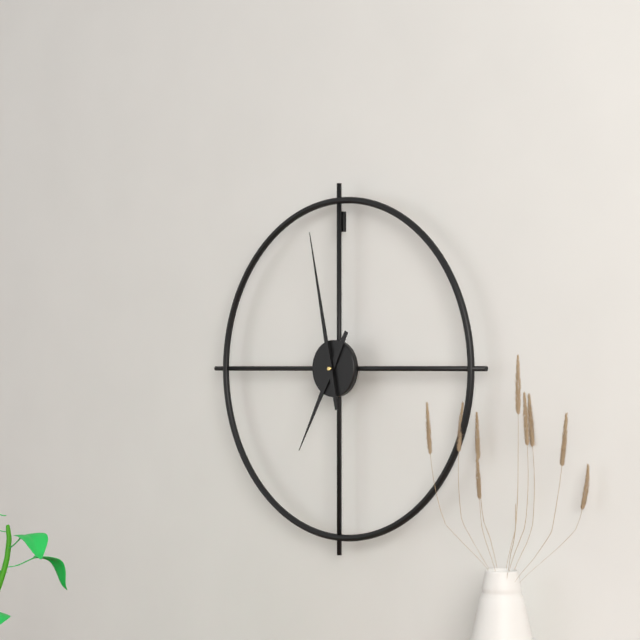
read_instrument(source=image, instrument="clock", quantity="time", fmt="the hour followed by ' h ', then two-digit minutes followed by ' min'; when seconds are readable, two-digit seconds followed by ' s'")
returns 6 h 58 min
